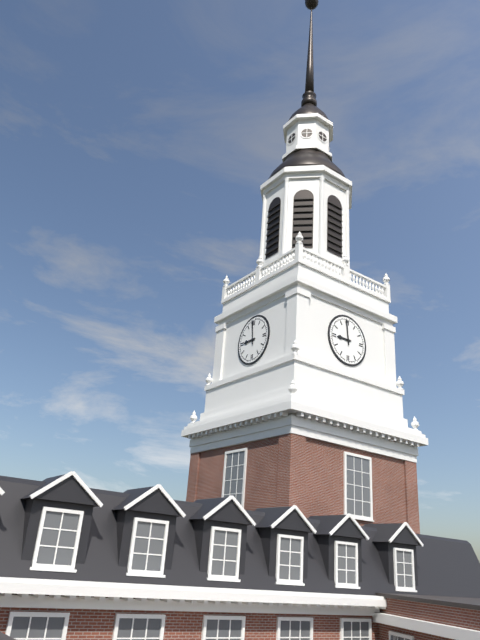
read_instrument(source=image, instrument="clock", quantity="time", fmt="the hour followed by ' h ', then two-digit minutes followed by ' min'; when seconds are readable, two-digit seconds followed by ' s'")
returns 8 h 59 min
